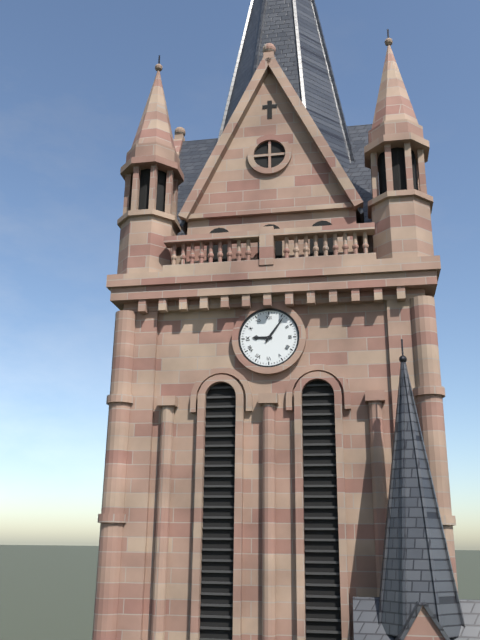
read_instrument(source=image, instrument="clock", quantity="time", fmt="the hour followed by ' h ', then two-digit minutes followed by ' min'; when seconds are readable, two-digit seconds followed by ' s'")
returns 9 h 06 min
